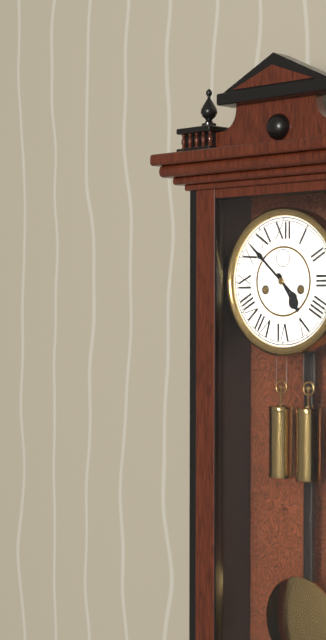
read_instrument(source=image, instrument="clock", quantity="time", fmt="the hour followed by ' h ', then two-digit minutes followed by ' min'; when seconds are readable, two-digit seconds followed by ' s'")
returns 4 h 52 min
